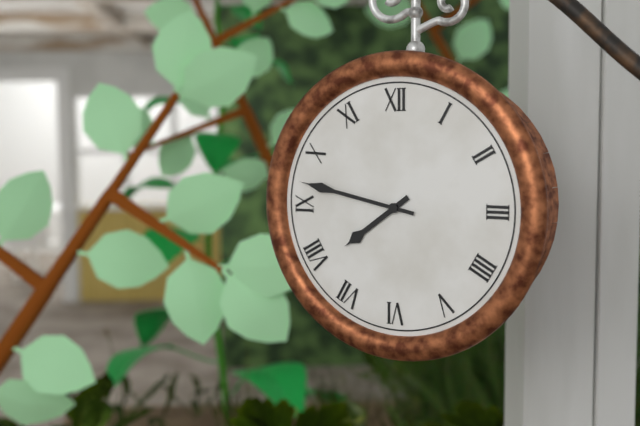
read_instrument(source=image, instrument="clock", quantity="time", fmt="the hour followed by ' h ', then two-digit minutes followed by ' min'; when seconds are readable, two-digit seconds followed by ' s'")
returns 7 h 47 min
